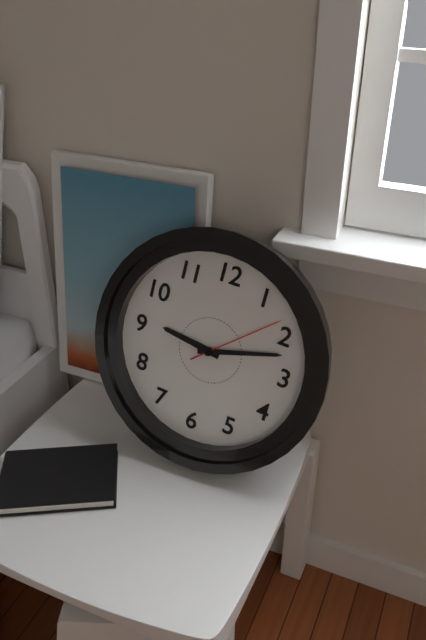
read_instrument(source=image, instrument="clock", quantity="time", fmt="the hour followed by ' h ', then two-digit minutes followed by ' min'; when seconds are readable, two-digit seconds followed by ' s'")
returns 9 h 12 min 08 s
